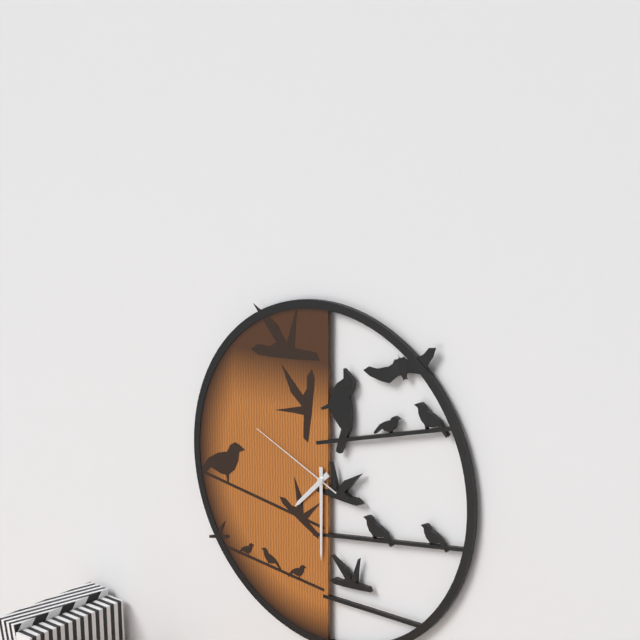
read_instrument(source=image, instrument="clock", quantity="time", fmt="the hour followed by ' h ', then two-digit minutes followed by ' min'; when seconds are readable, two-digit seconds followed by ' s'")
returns 7 h 30 min 49 s
